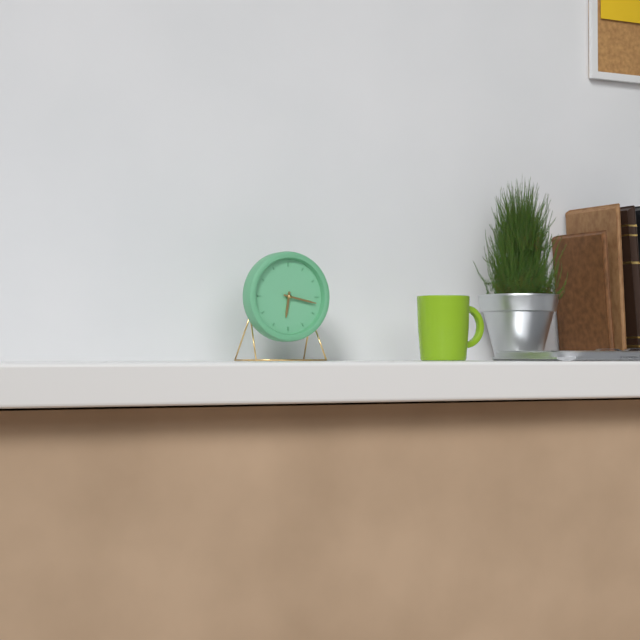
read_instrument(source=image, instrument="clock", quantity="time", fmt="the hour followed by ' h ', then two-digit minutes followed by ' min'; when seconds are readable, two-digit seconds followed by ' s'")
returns 6 h 17 min
